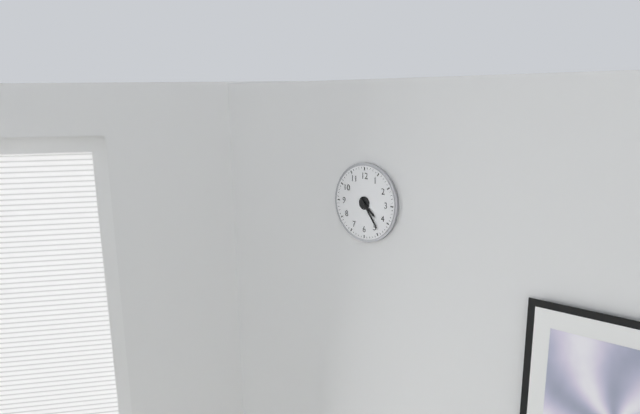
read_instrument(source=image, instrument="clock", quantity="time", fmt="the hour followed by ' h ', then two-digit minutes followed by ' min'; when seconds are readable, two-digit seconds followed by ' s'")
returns 4 h 24 min
